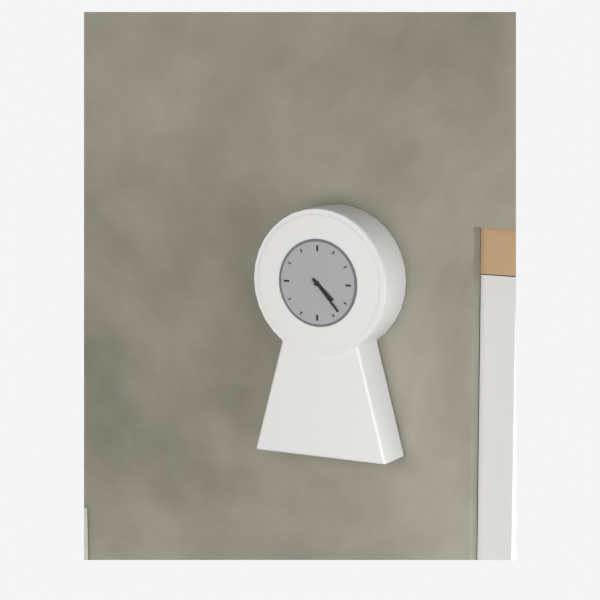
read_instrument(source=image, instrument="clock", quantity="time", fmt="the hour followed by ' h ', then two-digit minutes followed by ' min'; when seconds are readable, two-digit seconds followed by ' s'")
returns 4 h 23 min
